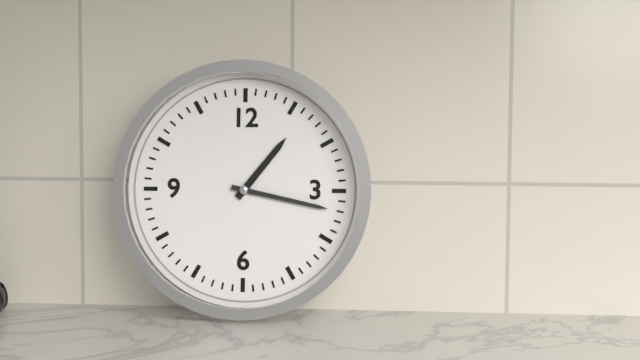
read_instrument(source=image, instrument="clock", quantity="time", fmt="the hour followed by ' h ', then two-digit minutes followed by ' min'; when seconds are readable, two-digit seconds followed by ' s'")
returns 1 h 17 min
